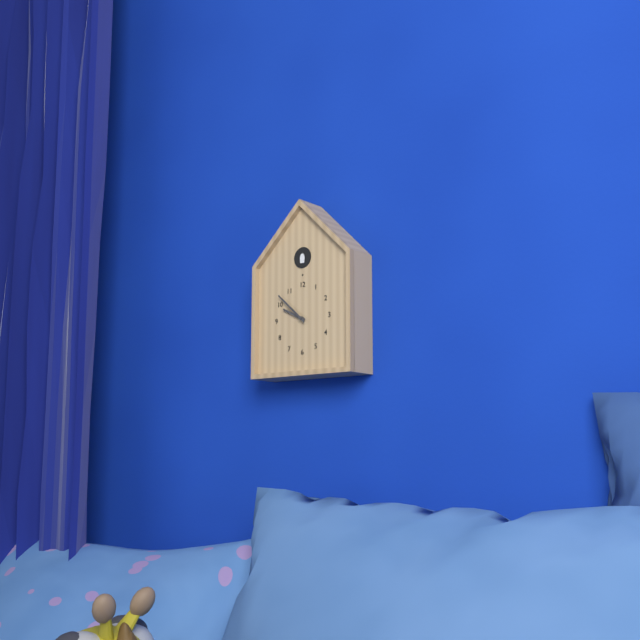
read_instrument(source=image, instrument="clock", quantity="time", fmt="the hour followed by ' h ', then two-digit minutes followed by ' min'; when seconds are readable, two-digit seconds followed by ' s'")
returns 9 h 52 min
